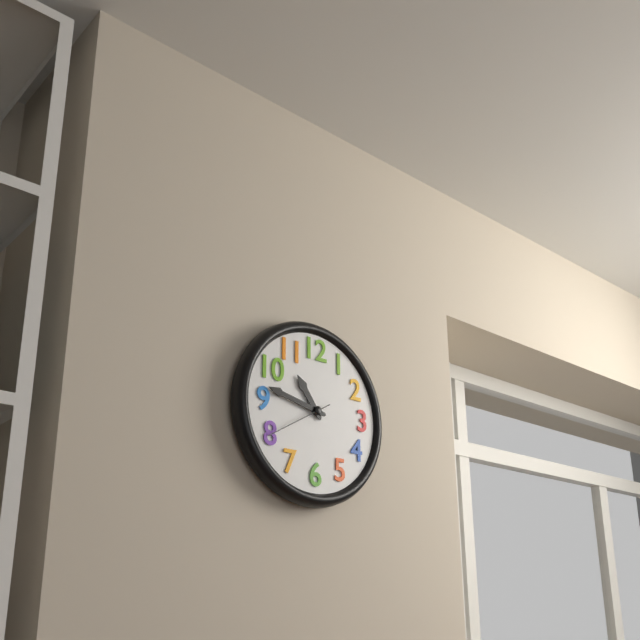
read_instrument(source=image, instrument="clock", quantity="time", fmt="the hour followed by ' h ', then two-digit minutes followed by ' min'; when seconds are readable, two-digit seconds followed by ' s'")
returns 10 h 47 min 40 s
